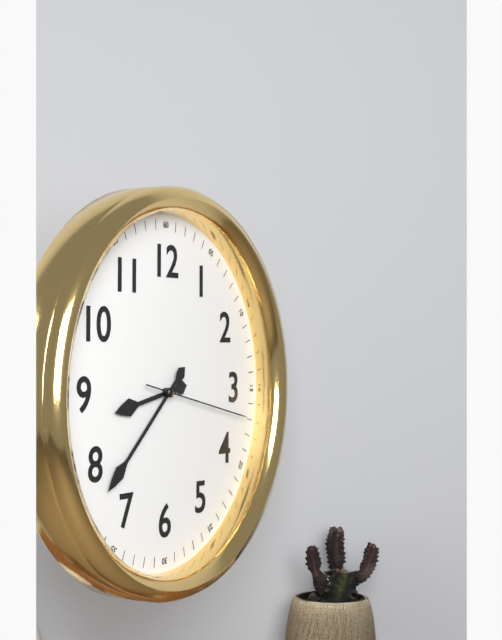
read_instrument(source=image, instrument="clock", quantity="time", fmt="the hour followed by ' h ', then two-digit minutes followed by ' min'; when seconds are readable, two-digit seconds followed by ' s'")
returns 8 h 38 min 17 s
